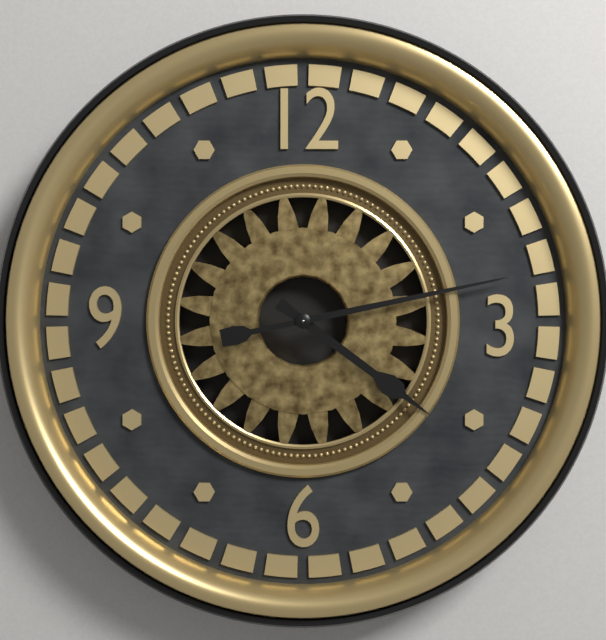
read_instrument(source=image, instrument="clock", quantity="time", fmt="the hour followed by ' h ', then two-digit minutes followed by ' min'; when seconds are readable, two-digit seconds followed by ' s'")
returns 4 h 13 min
